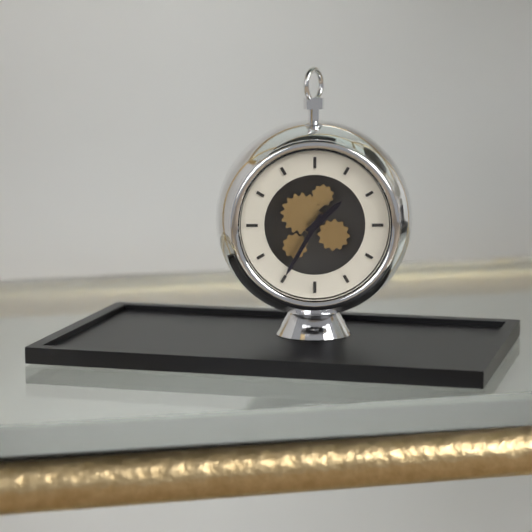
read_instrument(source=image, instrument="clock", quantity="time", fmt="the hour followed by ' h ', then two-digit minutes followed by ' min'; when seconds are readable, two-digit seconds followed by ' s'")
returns 1 h 35 min
